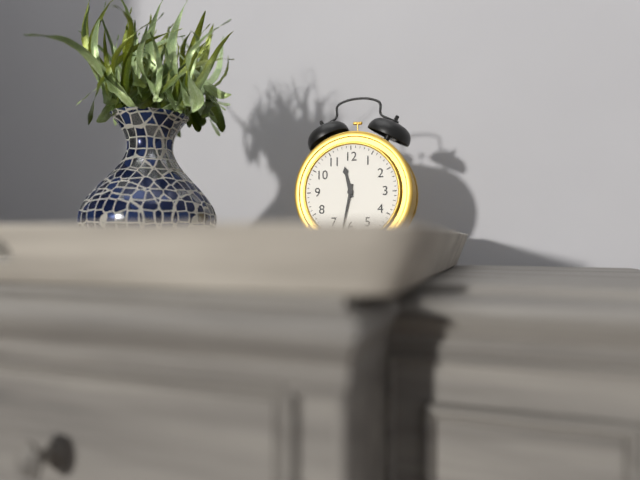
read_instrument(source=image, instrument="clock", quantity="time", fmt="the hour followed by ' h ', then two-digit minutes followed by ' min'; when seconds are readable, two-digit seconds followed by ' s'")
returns 11 h 32 min
